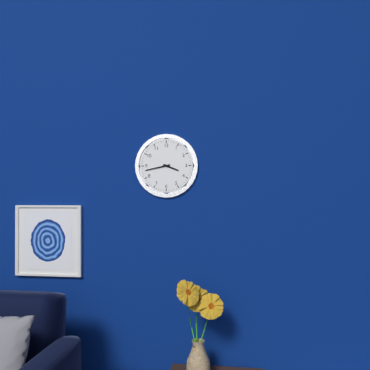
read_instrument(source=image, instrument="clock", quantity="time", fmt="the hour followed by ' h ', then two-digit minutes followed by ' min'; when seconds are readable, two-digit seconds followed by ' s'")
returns 3 h 43 min
